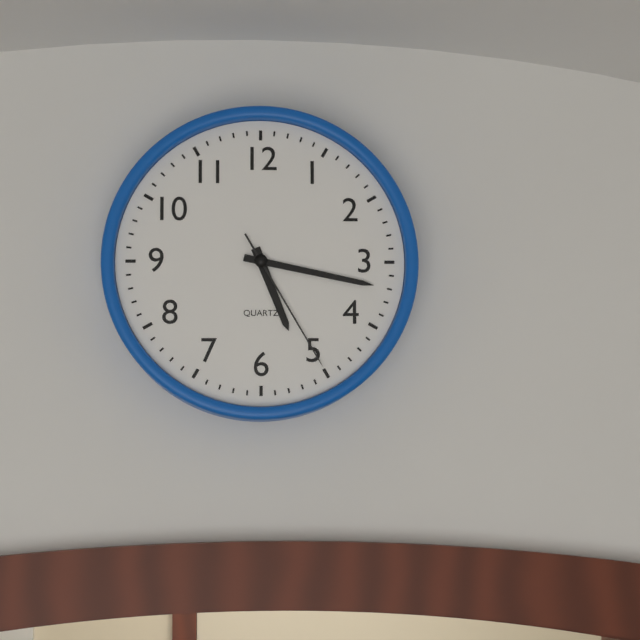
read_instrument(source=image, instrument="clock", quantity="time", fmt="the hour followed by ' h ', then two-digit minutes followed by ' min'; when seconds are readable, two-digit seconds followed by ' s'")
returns 5 h 17 min 25 s
